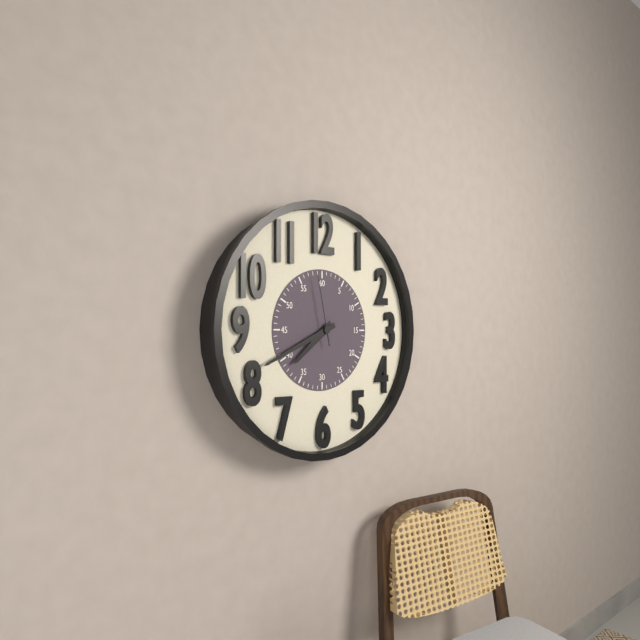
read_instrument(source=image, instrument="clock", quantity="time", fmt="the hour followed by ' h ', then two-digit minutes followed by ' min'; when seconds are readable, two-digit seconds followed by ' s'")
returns 7 h 41 min 58 s
